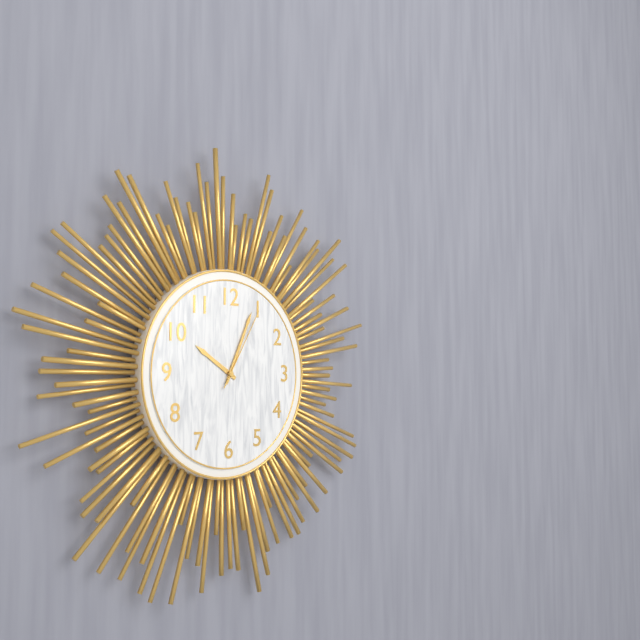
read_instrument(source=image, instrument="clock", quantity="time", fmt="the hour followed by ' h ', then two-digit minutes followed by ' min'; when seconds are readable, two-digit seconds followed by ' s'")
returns 10 h 04 min 05 s
